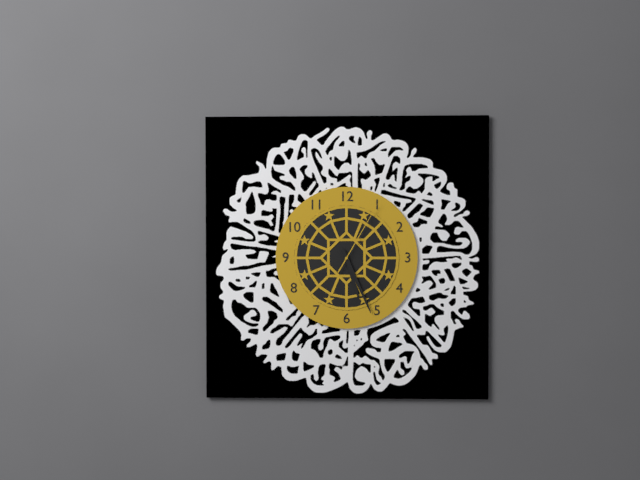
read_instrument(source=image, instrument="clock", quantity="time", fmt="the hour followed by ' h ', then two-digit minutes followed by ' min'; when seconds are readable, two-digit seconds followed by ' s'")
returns 5 h 26 min 05 s
